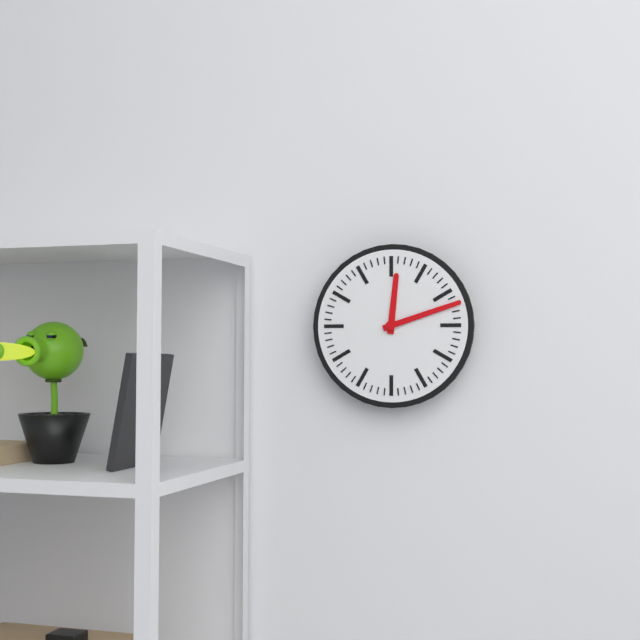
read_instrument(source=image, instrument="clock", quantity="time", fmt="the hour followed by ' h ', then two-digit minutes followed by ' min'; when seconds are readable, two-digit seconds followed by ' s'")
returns 12 h 12 min
